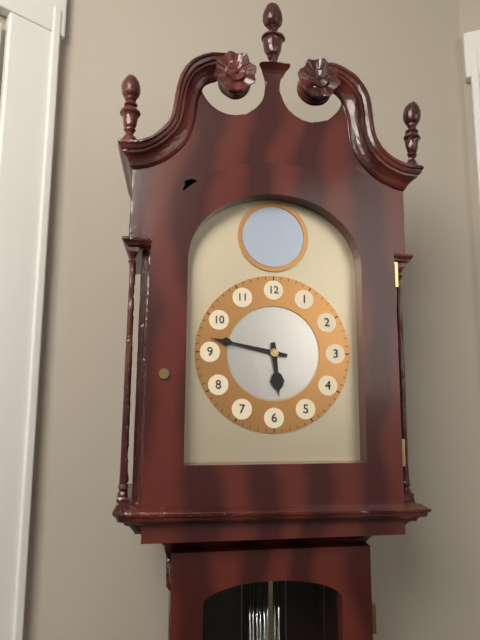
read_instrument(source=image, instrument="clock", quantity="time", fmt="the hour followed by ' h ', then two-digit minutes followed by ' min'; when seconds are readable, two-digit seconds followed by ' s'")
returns 5 h 47 min
